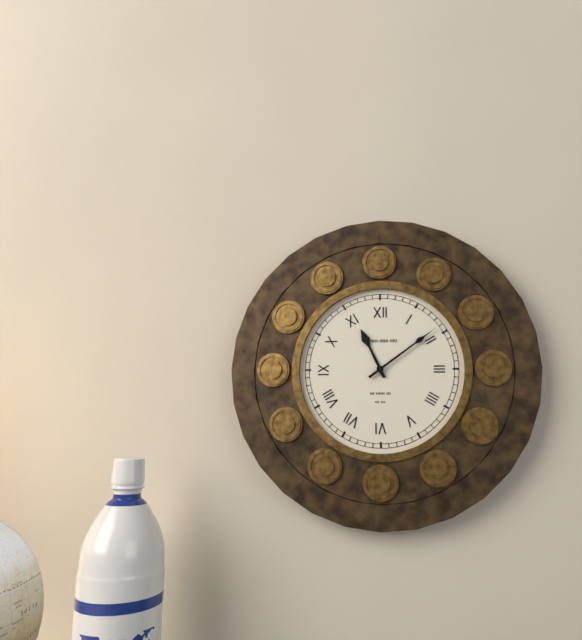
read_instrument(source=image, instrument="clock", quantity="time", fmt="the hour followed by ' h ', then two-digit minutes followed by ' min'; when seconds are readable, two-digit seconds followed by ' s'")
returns 11 h 09 min
